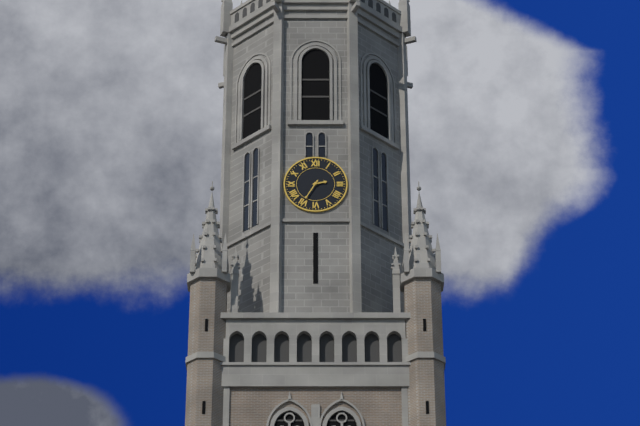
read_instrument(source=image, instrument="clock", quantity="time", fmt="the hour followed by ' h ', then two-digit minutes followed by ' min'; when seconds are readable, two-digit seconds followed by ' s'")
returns 2 h 35 min
